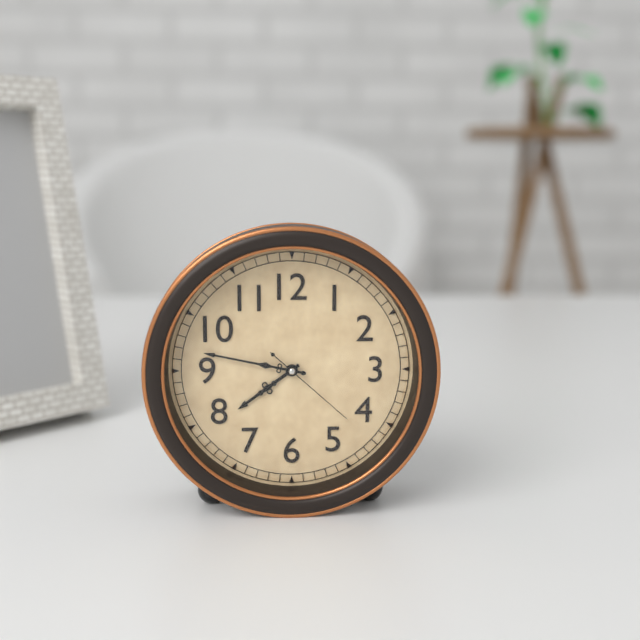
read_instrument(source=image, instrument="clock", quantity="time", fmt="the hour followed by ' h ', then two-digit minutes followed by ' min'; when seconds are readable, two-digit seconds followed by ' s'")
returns 7 h 47 min 22 s
